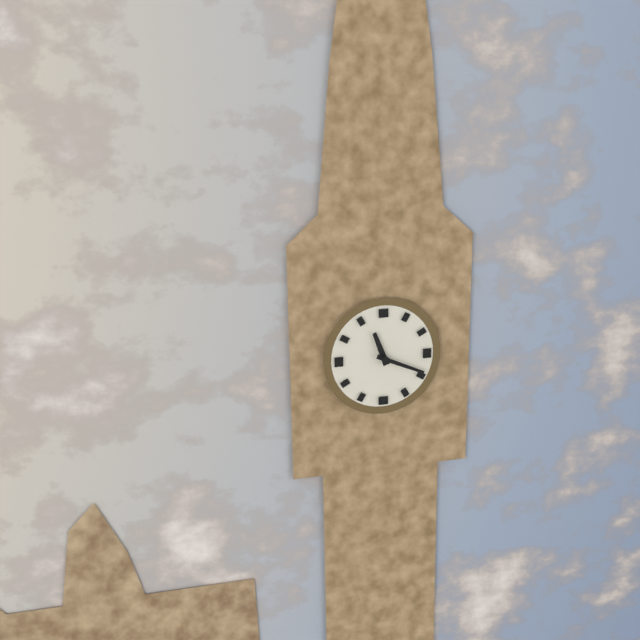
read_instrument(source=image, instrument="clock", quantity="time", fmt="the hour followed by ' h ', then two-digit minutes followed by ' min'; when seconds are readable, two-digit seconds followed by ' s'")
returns 11 h 19 min
